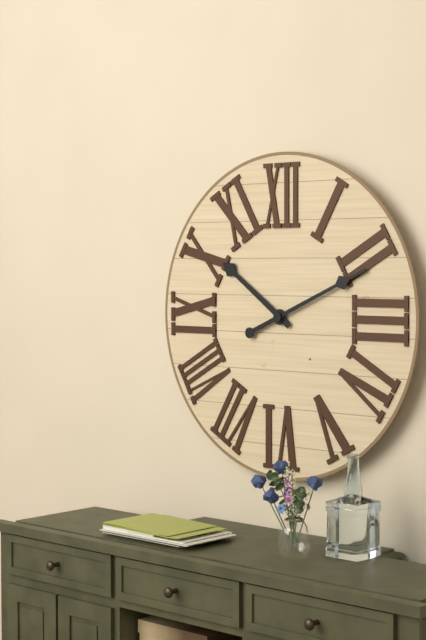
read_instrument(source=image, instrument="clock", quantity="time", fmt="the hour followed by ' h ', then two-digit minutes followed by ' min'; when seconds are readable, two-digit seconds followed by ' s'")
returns 10 h 11 min
